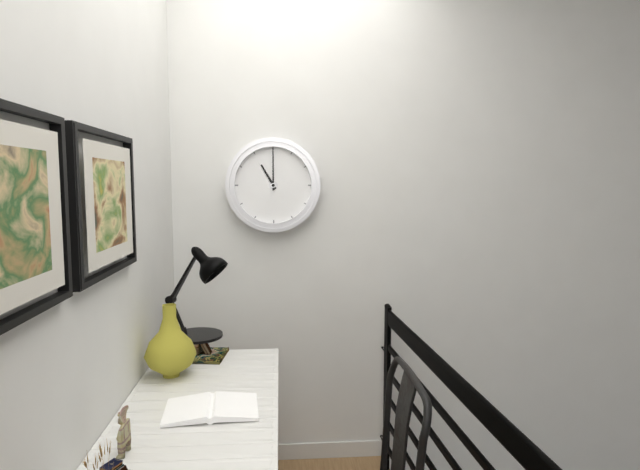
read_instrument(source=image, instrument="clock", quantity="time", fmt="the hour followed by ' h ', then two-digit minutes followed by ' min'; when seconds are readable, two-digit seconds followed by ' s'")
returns 11 h 00 min
